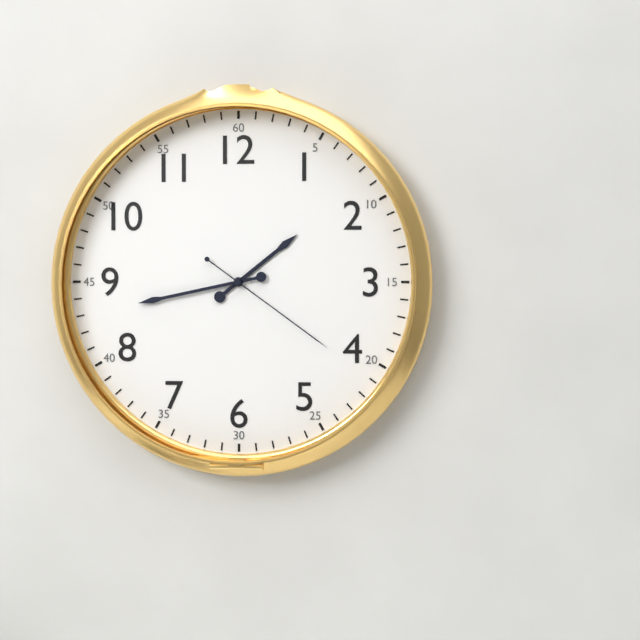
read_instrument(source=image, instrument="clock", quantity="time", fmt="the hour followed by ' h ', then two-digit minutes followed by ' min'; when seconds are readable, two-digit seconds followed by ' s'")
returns 1 h 43 min 21 s
